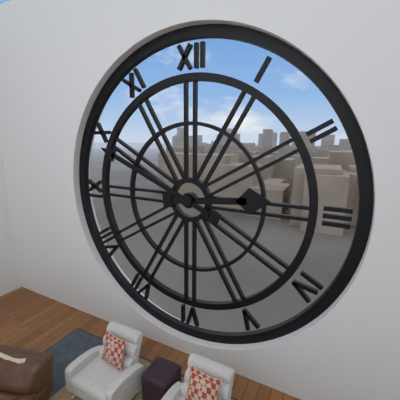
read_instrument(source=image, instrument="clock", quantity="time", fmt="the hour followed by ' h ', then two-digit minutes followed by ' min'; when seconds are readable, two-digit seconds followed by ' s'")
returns 2 h 49 min
